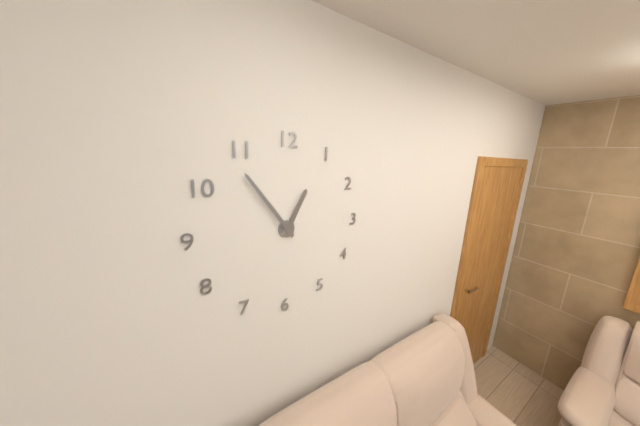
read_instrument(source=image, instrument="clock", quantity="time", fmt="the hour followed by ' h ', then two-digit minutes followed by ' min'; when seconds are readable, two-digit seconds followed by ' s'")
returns 12 h 54 min
